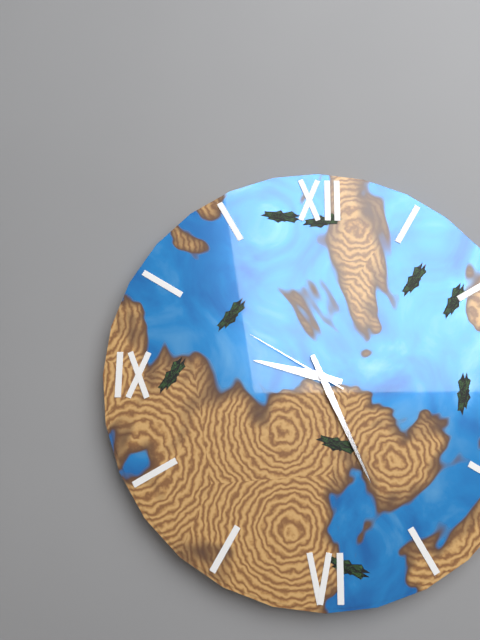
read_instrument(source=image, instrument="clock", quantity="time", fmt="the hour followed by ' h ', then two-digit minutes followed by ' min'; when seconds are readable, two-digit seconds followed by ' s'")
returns 9 h 26 min 50 s
